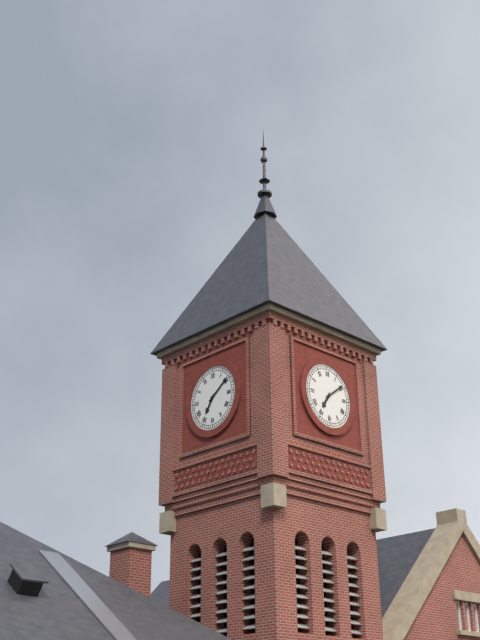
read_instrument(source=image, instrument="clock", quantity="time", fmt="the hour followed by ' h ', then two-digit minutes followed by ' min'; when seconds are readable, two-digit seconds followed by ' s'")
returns 7 h 09 min
